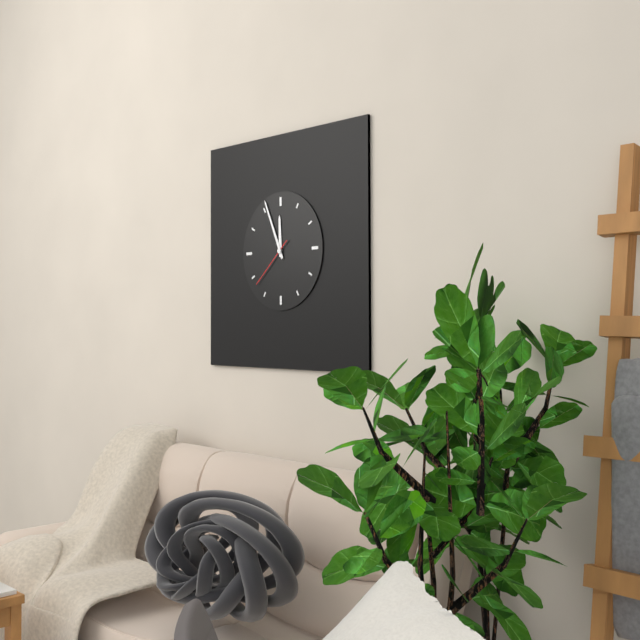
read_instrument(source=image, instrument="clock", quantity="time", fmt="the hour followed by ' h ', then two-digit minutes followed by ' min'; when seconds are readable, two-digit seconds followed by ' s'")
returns 11 h 56 min 38 s
